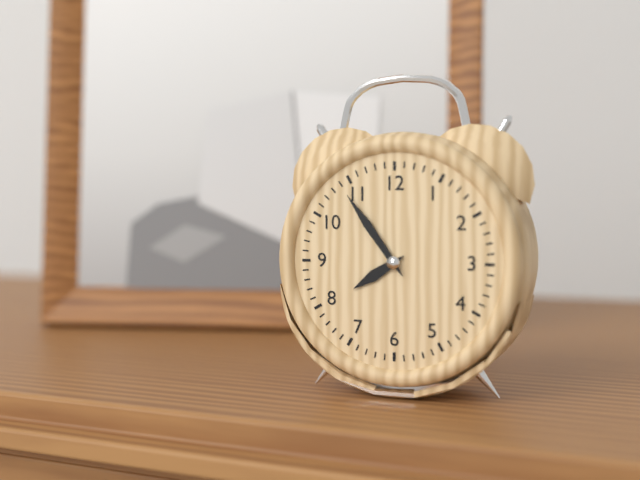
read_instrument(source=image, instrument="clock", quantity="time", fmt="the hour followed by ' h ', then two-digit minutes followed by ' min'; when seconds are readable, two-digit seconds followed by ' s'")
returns 7 h 54 min
